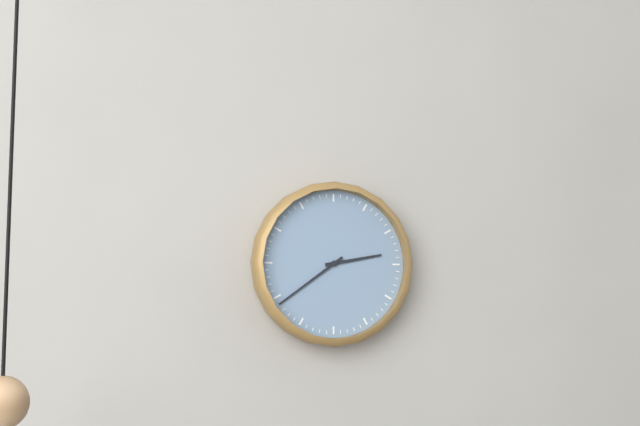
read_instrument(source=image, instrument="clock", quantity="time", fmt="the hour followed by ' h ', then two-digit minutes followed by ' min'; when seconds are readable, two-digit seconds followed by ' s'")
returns 2 h 39 min
